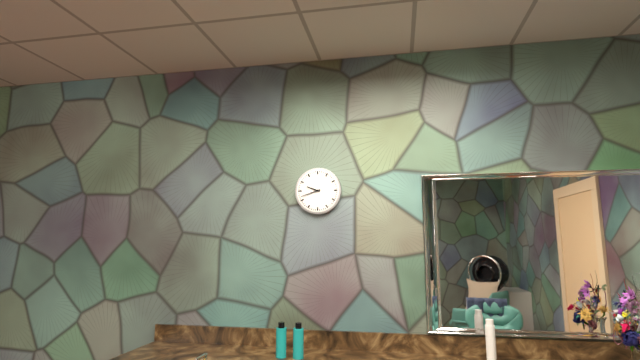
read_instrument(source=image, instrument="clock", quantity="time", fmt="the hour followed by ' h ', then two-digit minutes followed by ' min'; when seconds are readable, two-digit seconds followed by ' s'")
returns 9 h 42 min
